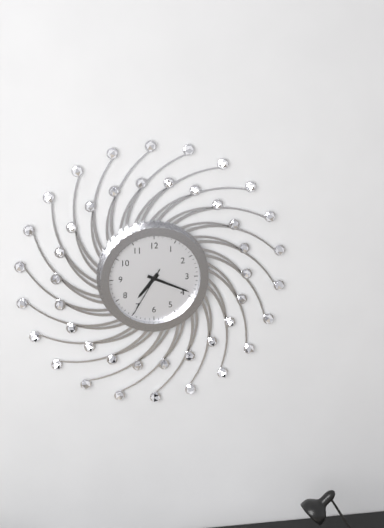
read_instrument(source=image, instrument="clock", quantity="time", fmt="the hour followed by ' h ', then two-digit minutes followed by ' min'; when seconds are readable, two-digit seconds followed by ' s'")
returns 7 h 19 min 35 s
